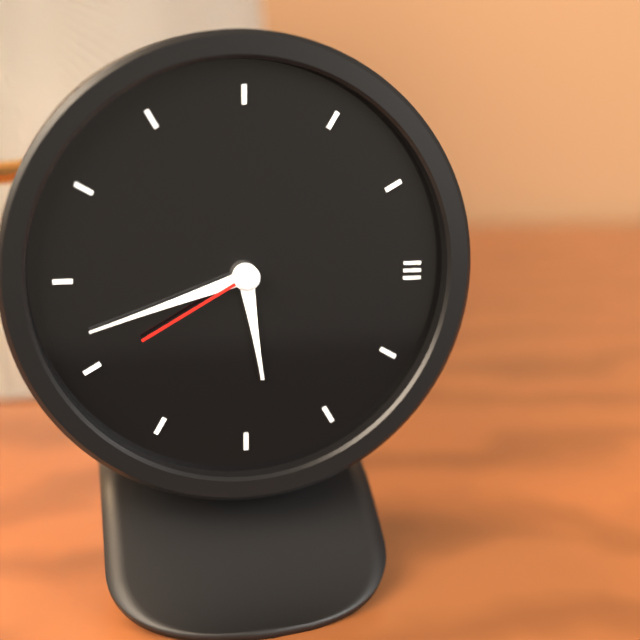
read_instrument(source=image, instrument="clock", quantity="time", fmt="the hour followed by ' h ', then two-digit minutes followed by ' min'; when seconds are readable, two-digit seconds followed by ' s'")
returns 5 h 42 min 40 s
